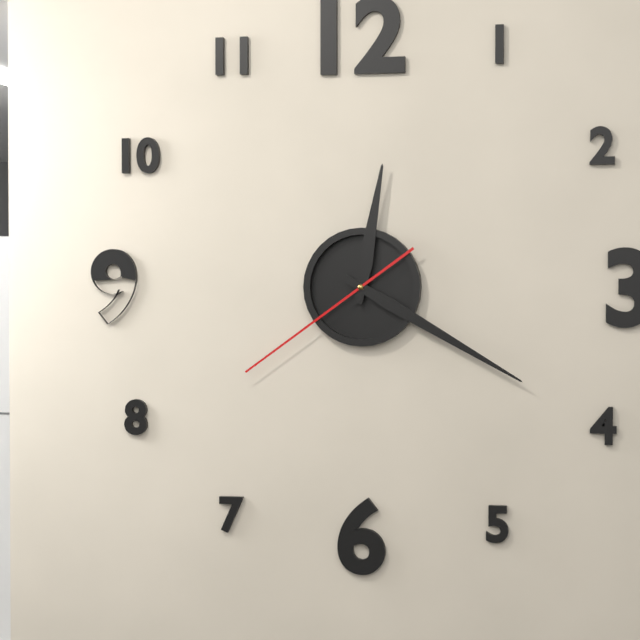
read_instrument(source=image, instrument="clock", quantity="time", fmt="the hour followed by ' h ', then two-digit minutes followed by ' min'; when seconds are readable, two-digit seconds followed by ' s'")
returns 12 h 20 min 39 s
